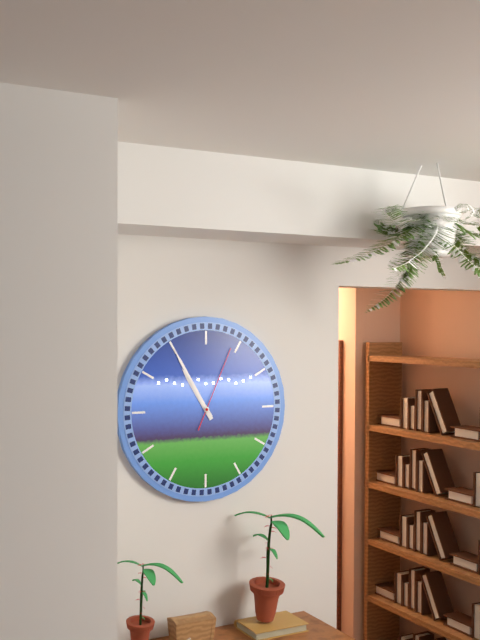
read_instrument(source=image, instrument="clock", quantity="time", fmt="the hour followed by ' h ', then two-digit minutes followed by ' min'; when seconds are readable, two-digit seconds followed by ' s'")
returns 10 h 55 min 04 s
